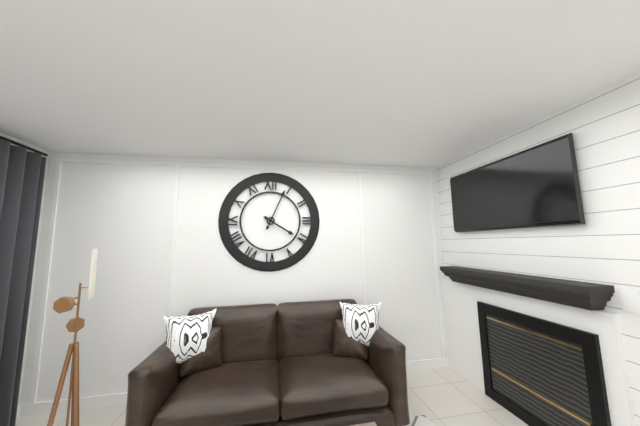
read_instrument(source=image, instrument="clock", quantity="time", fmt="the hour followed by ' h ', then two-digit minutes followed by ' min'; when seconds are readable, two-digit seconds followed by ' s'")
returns 4 h 04 min
